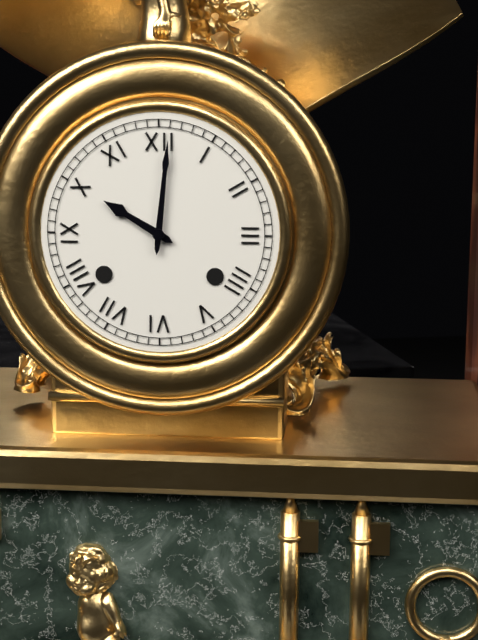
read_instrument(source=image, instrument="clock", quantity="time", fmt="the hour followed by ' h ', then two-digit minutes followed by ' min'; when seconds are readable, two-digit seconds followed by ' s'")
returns 10 h 01 min
